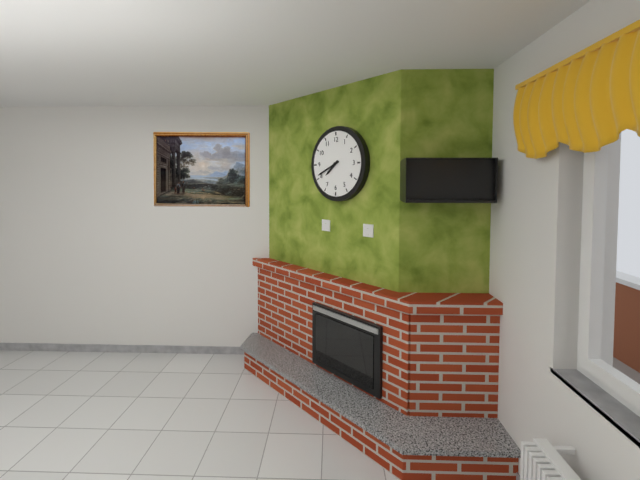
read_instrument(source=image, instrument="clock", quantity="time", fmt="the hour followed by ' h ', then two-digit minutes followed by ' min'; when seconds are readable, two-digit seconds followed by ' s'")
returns 7 h 41 min
